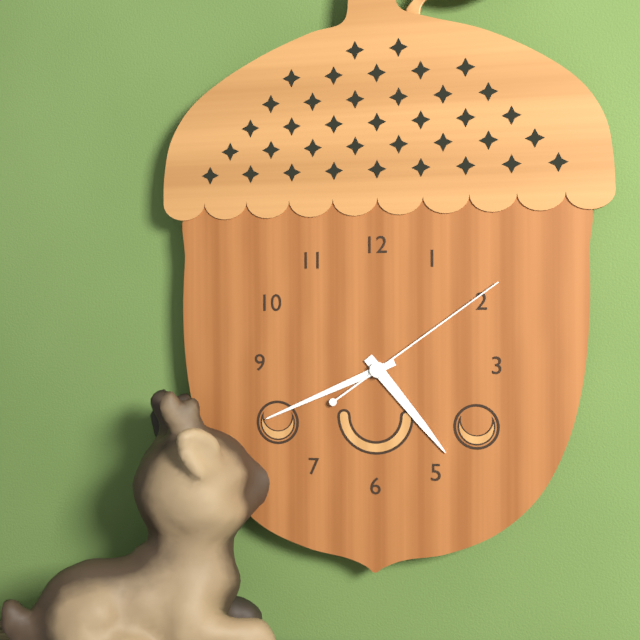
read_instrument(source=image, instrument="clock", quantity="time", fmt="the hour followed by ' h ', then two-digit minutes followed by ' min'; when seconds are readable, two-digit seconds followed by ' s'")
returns 4 h 41 min 09 s
